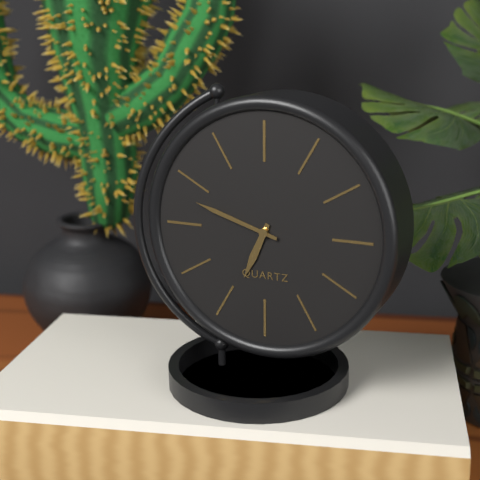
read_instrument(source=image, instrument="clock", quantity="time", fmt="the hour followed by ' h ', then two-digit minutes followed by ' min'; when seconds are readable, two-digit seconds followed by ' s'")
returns 6 h 48 min
